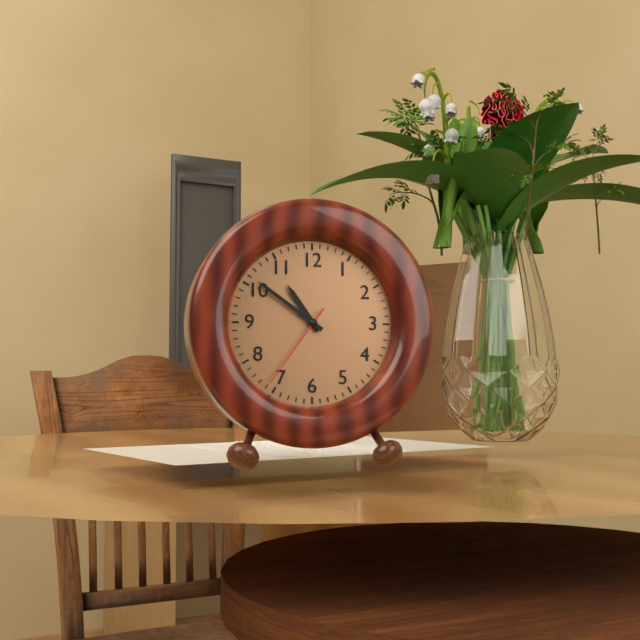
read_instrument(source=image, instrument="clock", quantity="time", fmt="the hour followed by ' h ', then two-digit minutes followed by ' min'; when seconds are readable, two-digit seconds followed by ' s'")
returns 10 h 51 min 36 s
